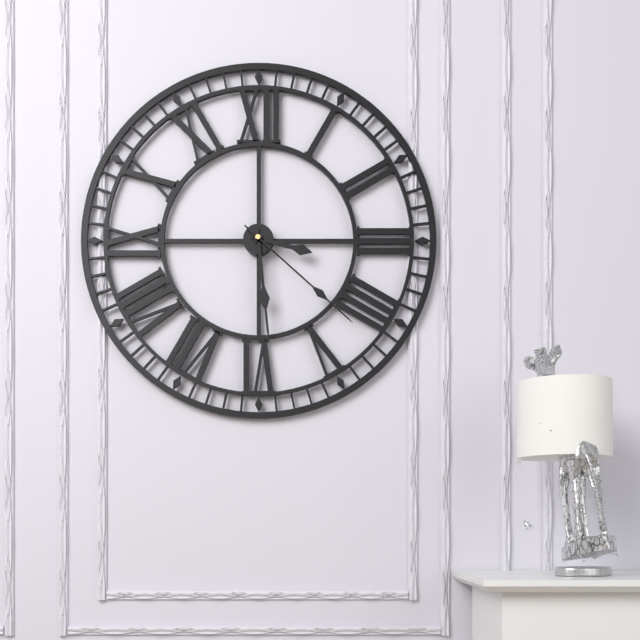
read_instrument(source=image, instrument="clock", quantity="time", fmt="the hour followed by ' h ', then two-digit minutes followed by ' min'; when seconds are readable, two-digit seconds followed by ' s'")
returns 3 h 29 min 22 s
